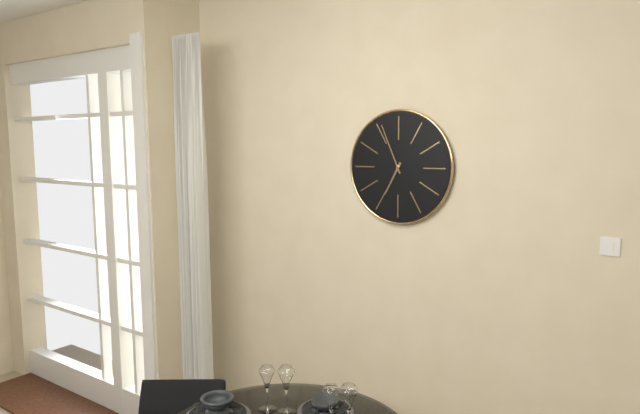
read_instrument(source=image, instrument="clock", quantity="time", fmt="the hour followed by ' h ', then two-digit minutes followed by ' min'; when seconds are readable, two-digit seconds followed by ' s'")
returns 6 h 56 min
